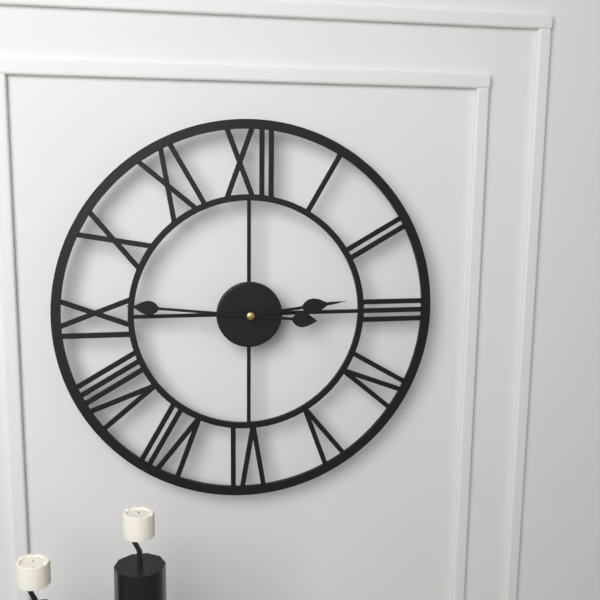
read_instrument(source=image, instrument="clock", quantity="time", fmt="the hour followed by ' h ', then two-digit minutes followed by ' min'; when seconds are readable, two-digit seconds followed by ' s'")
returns 2 h 46 min
